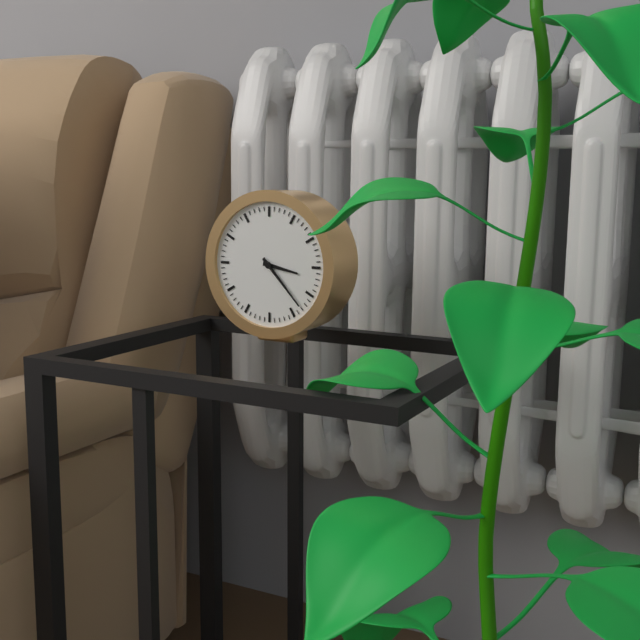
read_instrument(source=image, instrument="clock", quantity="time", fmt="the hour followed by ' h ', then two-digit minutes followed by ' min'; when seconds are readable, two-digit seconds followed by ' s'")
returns 3 h 23 min
